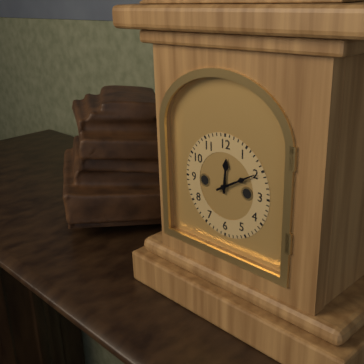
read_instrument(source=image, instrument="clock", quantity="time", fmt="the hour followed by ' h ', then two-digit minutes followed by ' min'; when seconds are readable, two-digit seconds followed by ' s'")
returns 12 h 10 min
